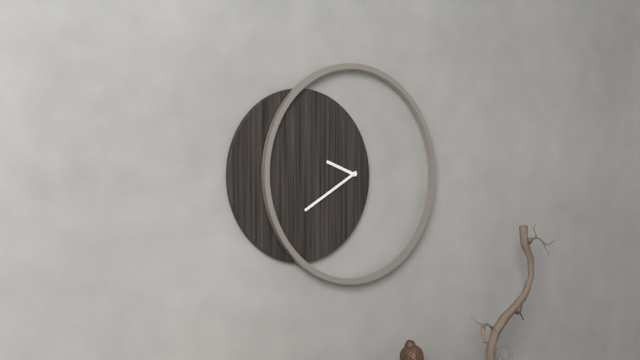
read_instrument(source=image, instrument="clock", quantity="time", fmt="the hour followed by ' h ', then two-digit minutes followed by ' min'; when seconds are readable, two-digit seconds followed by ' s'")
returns 9 h 40 min
